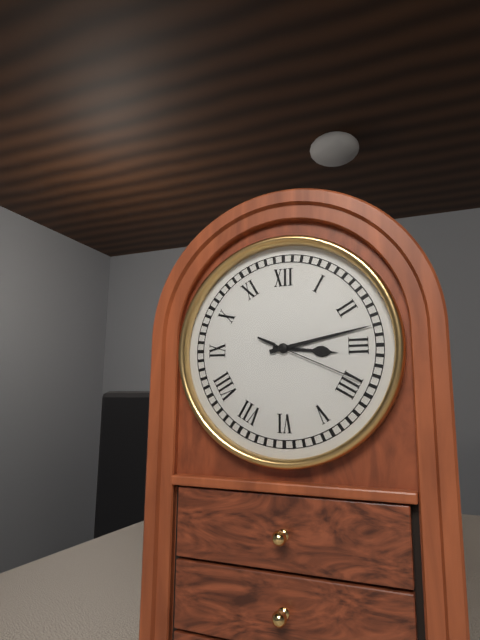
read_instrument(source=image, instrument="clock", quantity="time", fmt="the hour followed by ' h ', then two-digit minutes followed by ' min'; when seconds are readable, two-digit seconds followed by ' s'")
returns 3 h 13 min 19 s
